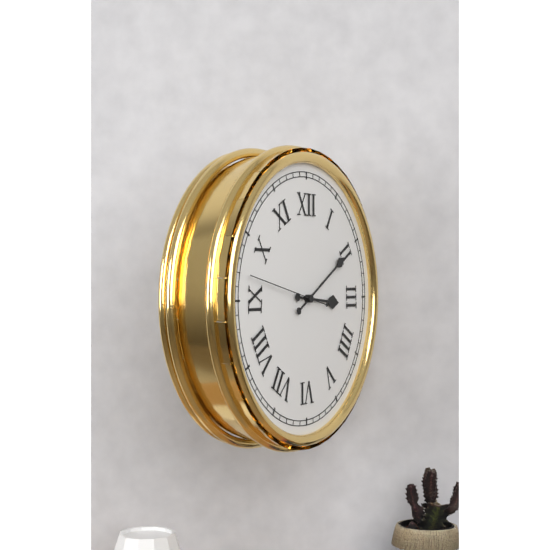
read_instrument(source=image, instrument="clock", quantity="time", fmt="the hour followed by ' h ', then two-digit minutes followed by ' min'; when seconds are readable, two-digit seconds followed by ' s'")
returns 3 h 10 min 47 s
